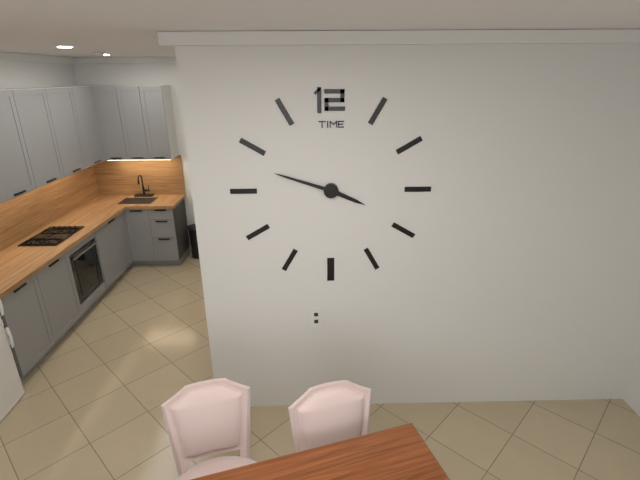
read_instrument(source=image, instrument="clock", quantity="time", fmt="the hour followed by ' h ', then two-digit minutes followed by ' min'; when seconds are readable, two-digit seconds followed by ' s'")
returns 3 h 48 min
